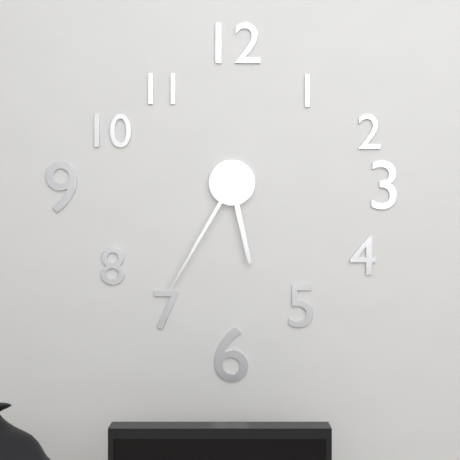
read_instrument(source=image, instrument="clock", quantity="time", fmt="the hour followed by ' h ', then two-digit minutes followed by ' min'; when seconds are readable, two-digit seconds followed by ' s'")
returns 5 h 35 min
